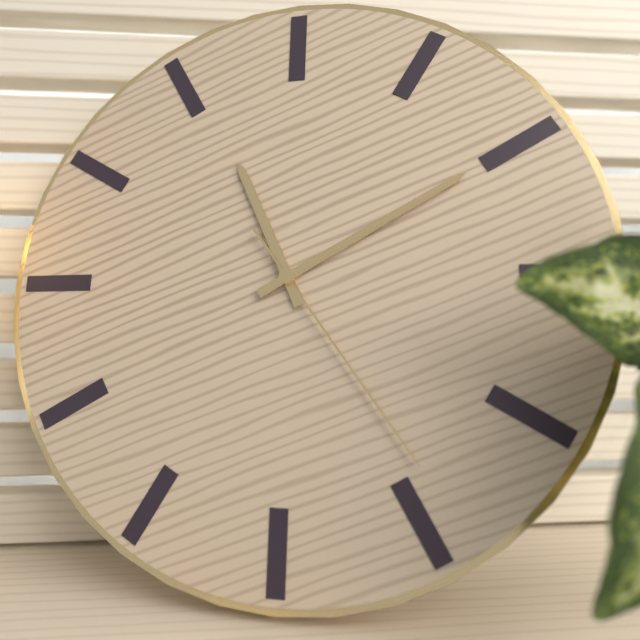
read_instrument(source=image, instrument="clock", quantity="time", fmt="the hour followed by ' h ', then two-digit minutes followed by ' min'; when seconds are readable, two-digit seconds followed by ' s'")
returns 11 h 10 min 24 s
